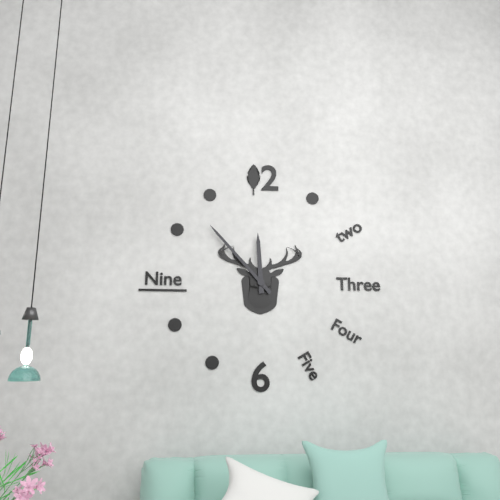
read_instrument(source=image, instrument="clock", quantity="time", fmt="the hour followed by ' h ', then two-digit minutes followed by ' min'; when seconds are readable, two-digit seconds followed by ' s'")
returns 11 h 53 min
